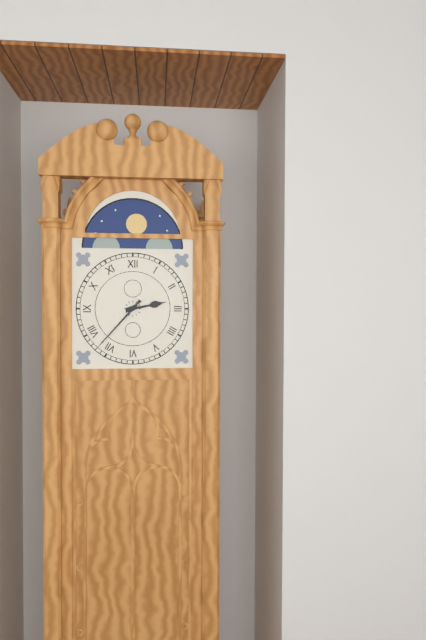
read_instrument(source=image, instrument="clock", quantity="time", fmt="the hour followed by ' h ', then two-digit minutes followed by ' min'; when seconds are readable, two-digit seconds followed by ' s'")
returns 2 h 37 min
